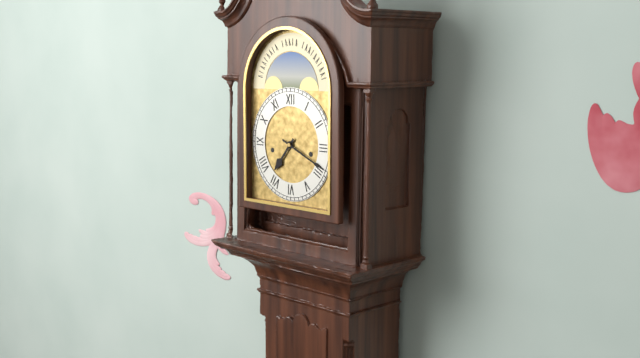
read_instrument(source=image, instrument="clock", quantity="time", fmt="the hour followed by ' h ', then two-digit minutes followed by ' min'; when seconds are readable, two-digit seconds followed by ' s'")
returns 7 h 19 min
